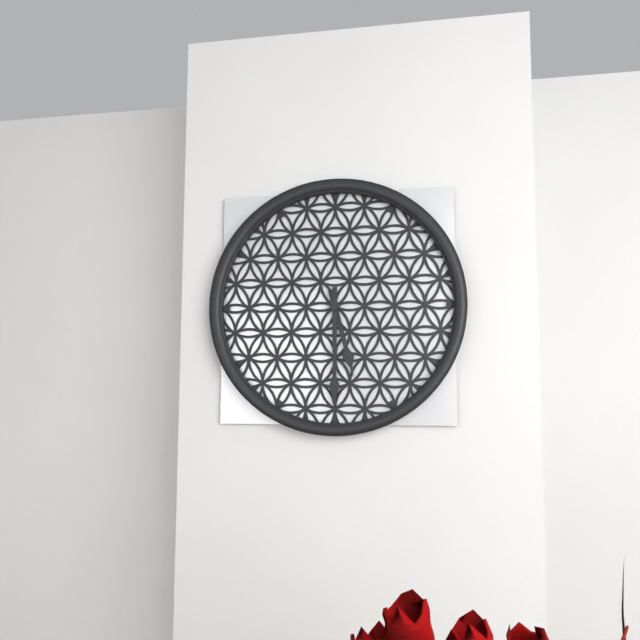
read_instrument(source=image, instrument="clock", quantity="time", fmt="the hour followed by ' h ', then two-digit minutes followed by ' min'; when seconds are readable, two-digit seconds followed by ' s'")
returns 5 h 30 min
